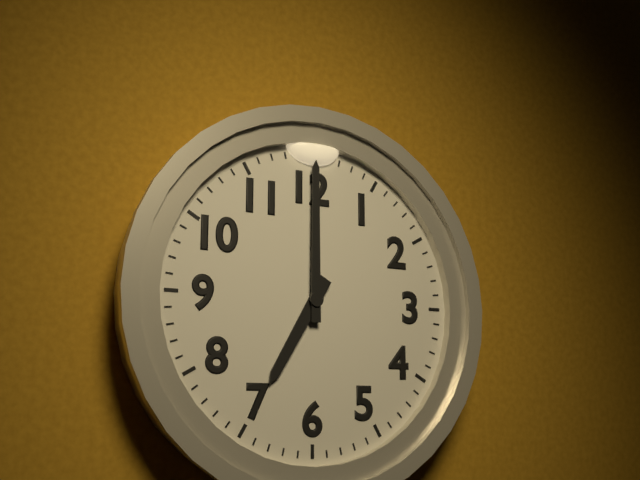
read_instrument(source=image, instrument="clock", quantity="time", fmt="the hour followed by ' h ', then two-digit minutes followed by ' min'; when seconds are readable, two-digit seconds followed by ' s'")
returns 7 h 00 min
